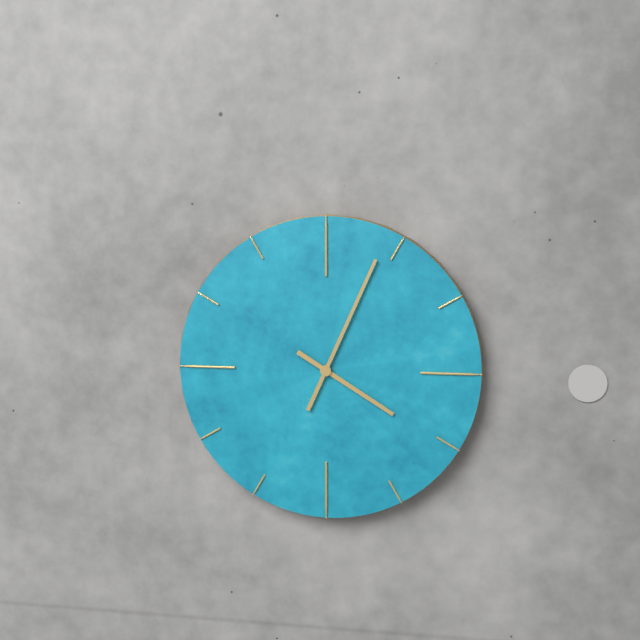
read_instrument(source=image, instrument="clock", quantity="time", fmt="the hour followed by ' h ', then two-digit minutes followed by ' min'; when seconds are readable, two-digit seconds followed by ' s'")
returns 4 h 04 min
